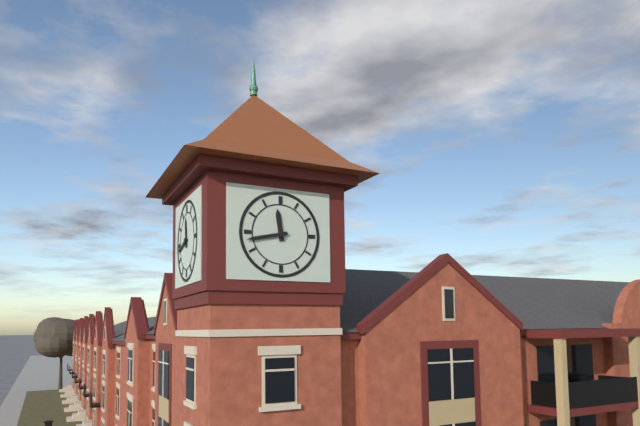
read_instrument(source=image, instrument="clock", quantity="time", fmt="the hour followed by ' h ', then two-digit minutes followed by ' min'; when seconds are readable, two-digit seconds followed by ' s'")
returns 11 h 43 min
